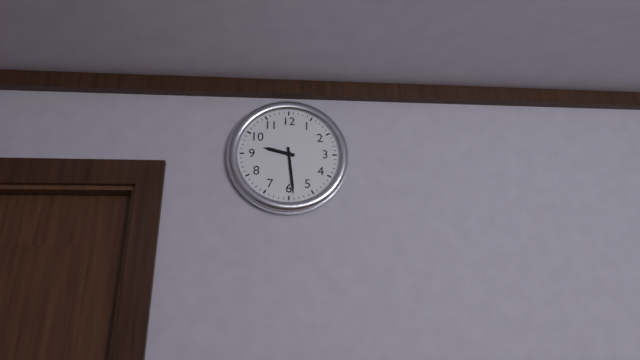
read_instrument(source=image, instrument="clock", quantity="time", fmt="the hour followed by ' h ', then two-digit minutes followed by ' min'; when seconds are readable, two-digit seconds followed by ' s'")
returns 9 h 29 min
